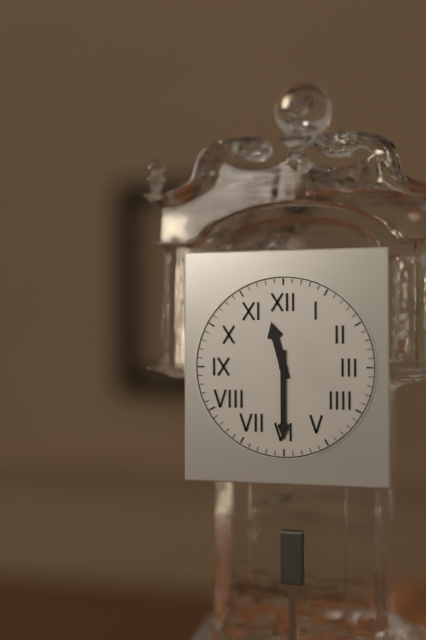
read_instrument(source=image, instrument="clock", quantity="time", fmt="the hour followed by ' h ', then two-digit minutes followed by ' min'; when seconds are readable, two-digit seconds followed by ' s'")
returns 11 h 30 min
